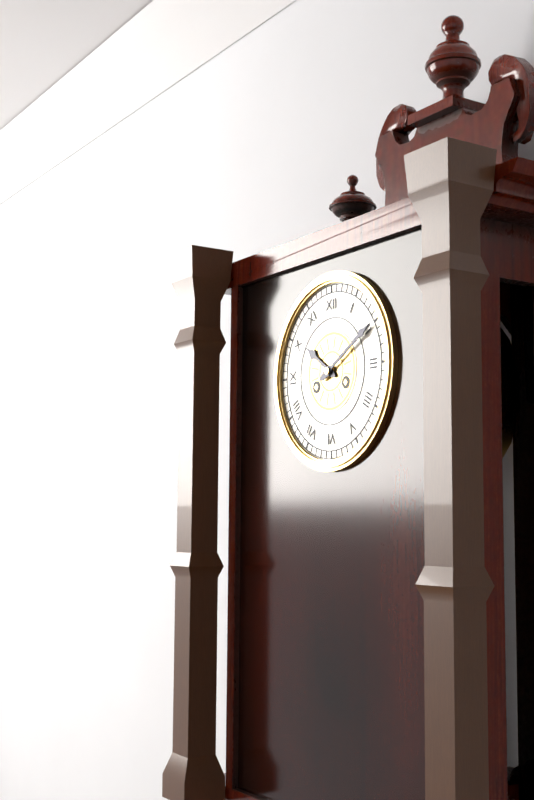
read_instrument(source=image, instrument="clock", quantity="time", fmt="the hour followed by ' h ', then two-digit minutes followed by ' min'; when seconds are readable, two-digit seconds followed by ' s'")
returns 10 h 10 min
